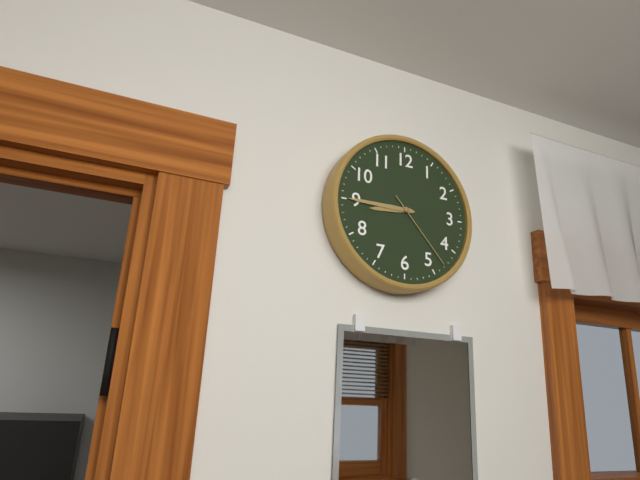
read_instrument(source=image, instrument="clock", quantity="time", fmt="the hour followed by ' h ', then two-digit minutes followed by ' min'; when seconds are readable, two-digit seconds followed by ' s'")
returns 8 h 45 min 23 s
